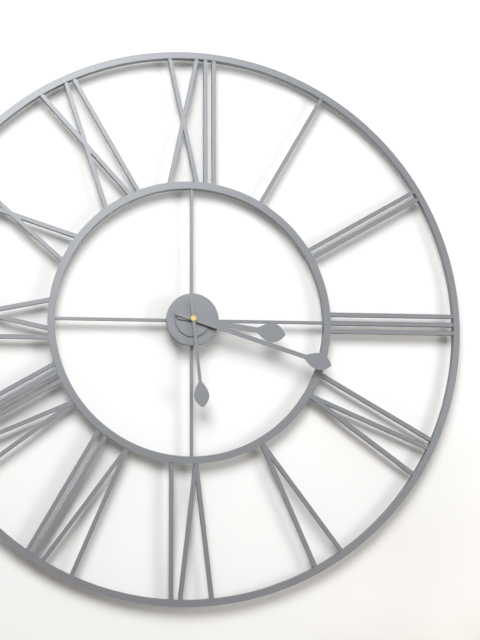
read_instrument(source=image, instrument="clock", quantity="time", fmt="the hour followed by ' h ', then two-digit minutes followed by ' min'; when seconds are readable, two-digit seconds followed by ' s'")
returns 3 h 18 min 29 s
